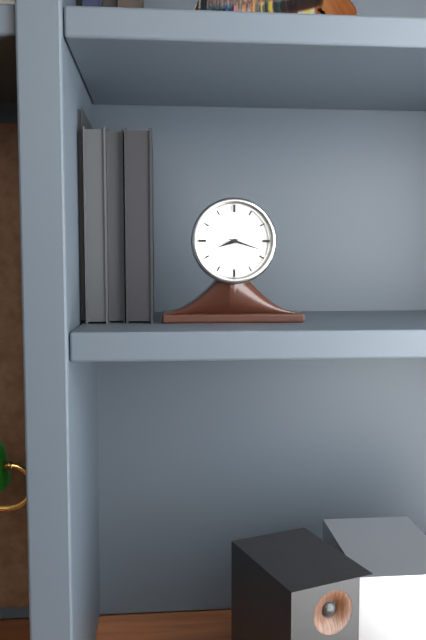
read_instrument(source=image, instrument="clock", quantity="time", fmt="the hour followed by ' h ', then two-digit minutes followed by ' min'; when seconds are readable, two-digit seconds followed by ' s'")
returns 8 h 18 min
